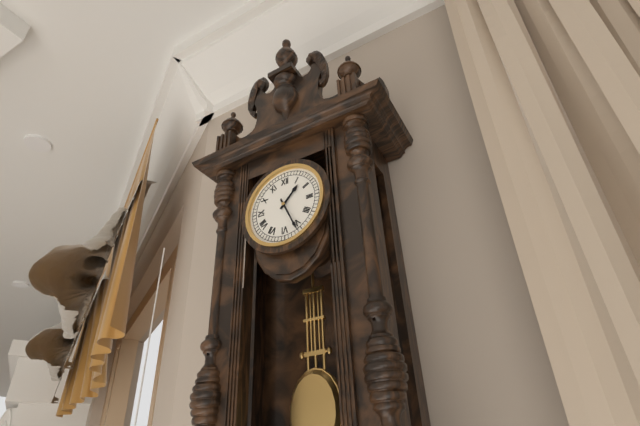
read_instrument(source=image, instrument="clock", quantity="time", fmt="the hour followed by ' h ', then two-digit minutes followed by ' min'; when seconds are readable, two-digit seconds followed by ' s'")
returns 1 h 26 min
